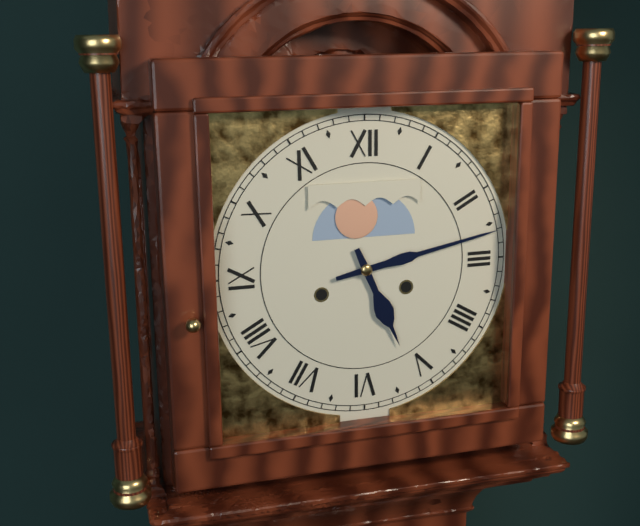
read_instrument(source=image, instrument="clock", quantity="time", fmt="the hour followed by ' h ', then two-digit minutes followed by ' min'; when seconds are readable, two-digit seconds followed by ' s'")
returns 5 h 13 min
